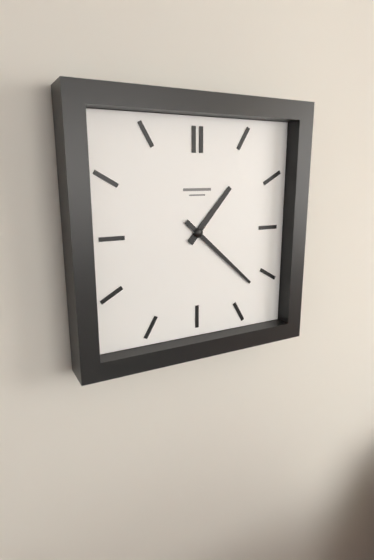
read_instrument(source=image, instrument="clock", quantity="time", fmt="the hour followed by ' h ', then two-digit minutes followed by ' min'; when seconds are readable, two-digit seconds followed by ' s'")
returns 1 h 22 min
